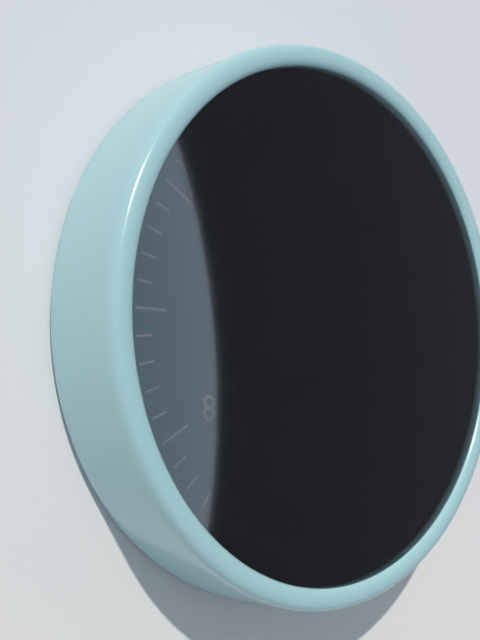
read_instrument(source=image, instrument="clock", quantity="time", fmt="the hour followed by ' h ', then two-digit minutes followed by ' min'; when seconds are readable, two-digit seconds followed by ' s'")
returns 10 h 02 min 36 s
